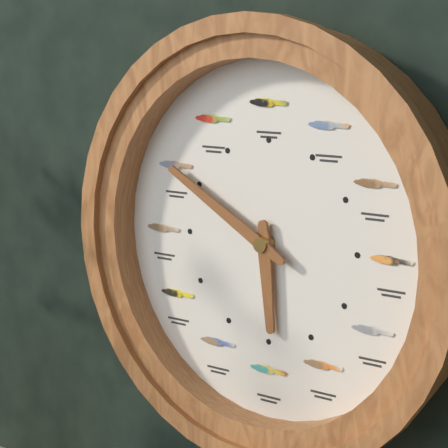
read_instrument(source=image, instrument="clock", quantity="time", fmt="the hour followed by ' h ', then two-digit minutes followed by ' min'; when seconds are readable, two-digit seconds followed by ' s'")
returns 5 h 50 min
